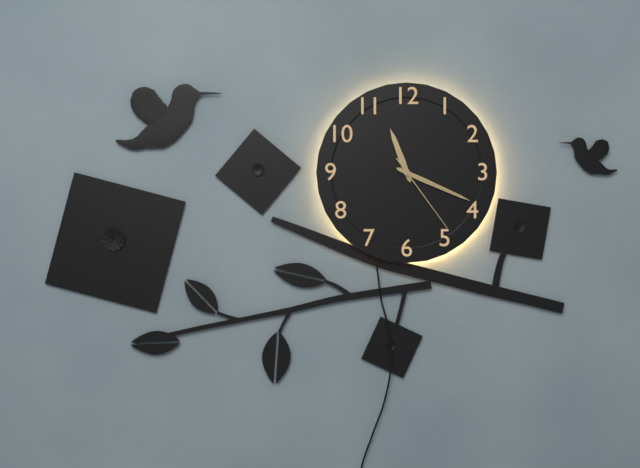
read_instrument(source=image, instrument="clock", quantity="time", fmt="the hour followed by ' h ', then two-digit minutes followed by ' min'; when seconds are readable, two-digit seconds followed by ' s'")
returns 11 h 19 min 24 s
